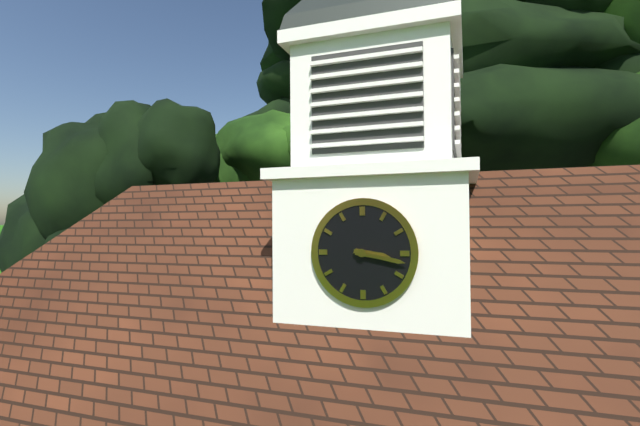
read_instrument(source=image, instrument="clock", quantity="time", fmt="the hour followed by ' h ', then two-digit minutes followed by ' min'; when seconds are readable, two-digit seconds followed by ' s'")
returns 3 h 17 min
